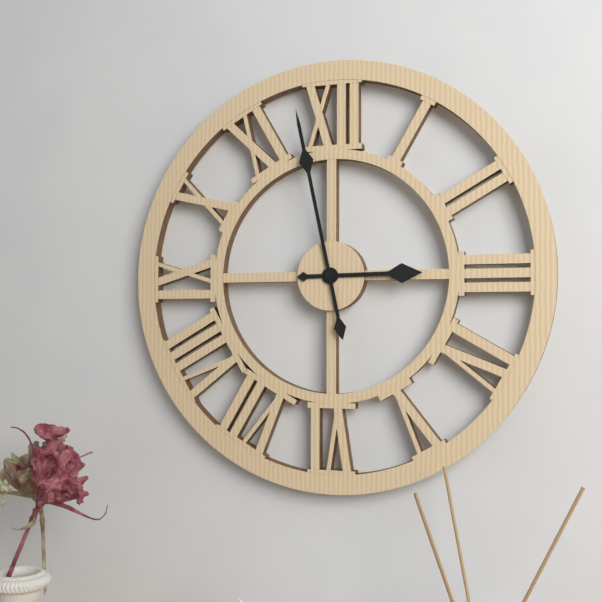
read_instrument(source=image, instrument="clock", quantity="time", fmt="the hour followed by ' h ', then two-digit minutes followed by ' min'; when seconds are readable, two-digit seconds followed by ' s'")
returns 2 h 58 min
